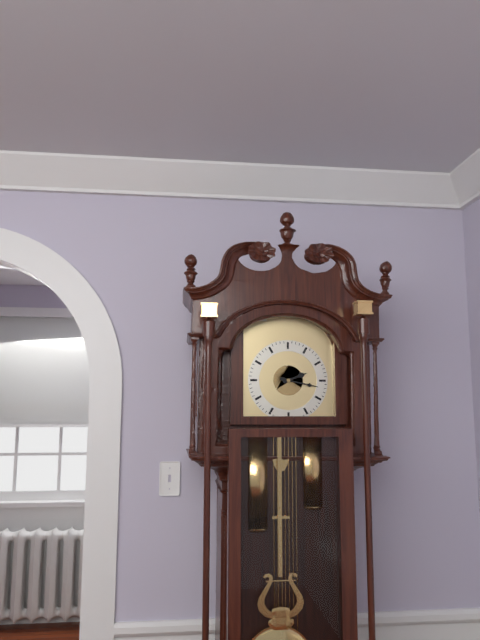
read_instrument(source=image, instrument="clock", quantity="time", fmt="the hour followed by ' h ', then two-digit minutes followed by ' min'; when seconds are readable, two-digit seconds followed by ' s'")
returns 2 h 17 min
